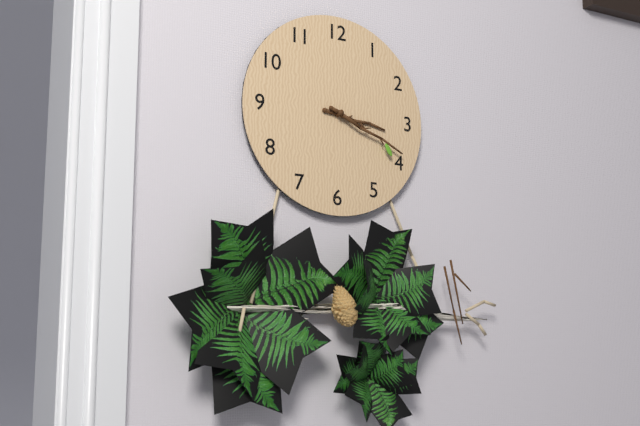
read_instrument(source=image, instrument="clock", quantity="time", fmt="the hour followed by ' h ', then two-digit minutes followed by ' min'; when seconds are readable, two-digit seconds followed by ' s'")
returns 3 h 19 min
